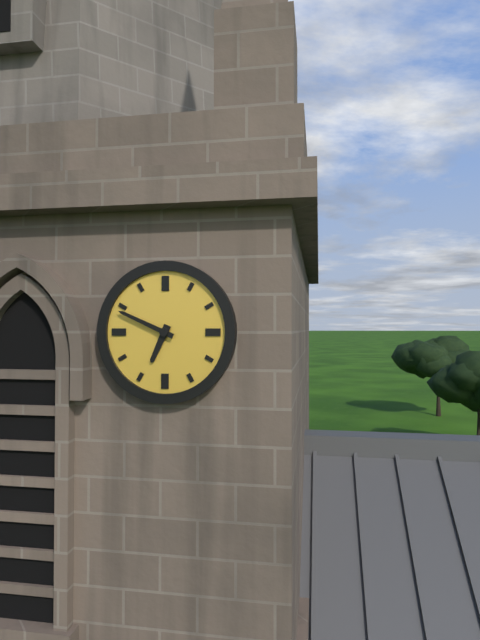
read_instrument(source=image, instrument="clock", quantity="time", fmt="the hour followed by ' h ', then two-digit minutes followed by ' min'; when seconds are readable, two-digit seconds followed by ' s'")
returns 6 h 49 min
